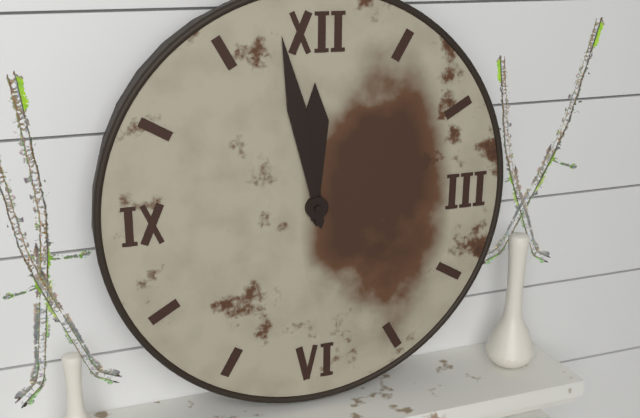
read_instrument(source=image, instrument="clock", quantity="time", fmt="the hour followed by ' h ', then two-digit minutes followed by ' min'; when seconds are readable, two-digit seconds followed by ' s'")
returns 11 h 58 min
